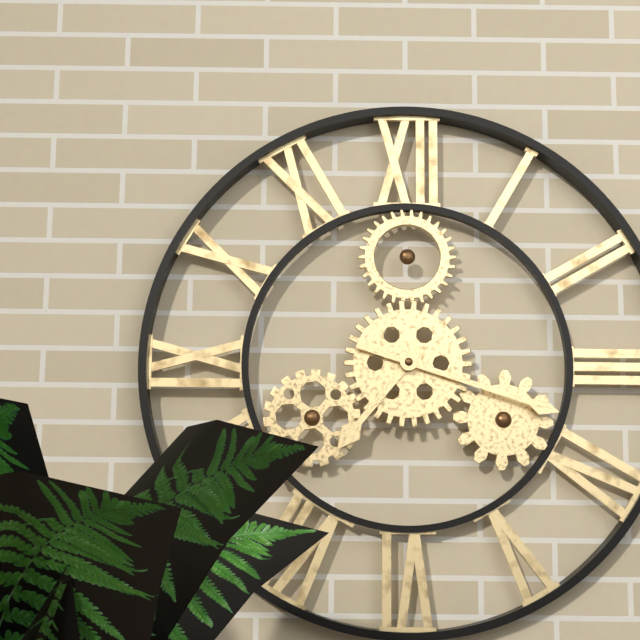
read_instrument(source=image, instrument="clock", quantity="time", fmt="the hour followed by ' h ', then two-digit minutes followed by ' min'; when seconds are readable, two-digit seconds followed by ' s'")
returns 7 h 18 min
